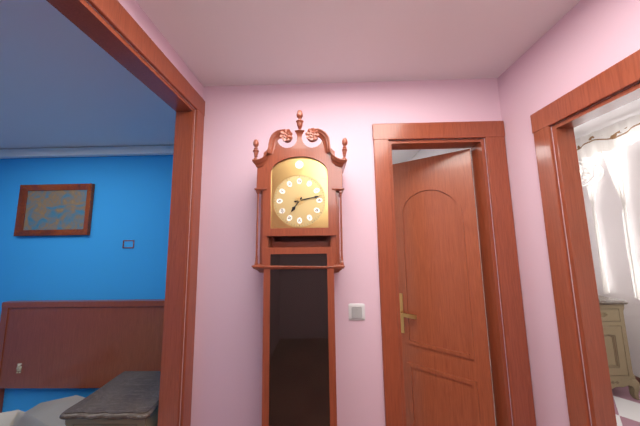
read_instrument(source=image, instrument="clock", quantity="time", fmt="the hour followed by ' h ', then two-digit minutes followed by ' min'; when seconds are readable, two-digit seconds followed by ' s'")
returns 7 h 13 min
